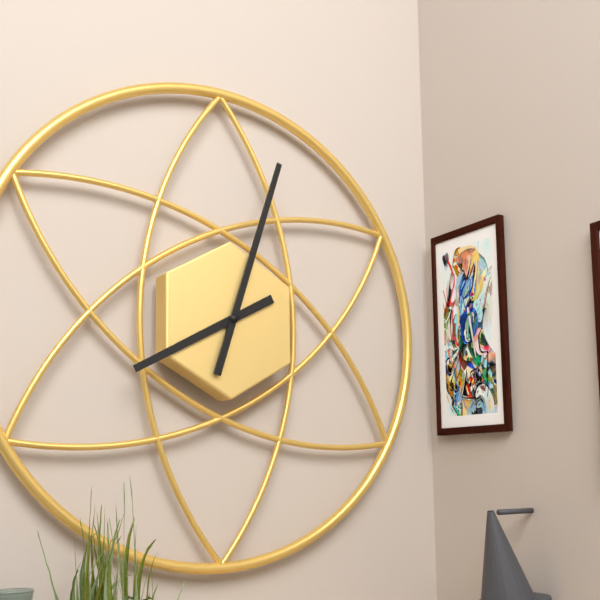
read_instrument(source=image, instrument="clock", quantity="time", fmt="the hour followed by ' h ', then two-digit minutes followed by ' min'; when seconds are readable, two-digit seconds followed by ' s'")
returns 8 h 03 min
